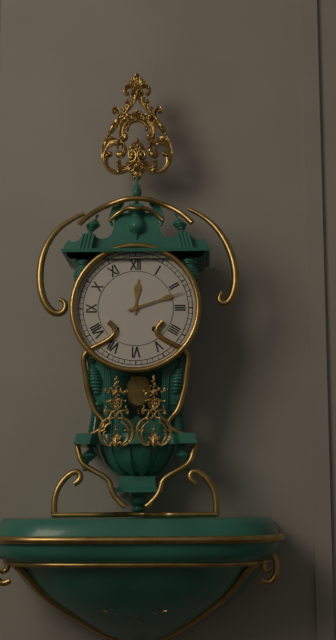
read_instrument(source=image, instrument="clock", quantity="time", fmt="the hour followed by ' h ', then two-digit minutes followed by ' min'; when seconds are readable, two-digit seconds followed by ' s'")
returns 12 h 12 min
